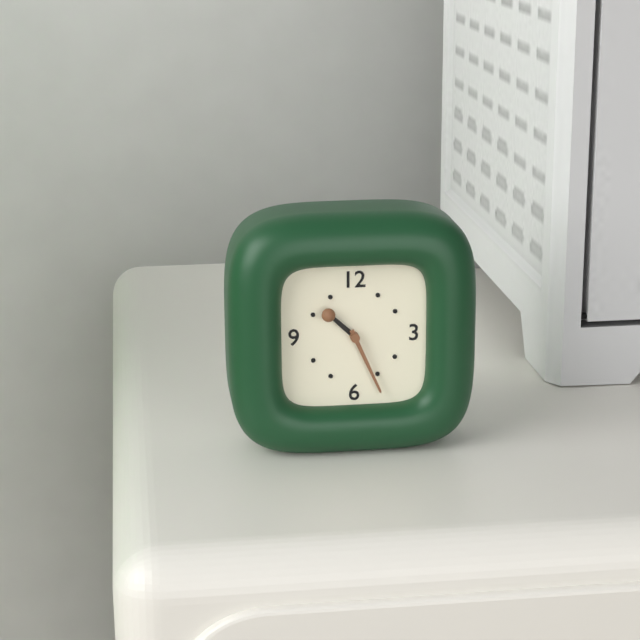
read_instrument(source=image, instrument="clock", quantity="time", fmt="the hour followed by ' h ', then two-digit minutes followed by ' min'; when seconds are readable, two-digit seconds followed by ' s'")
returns 10 h 26 min
